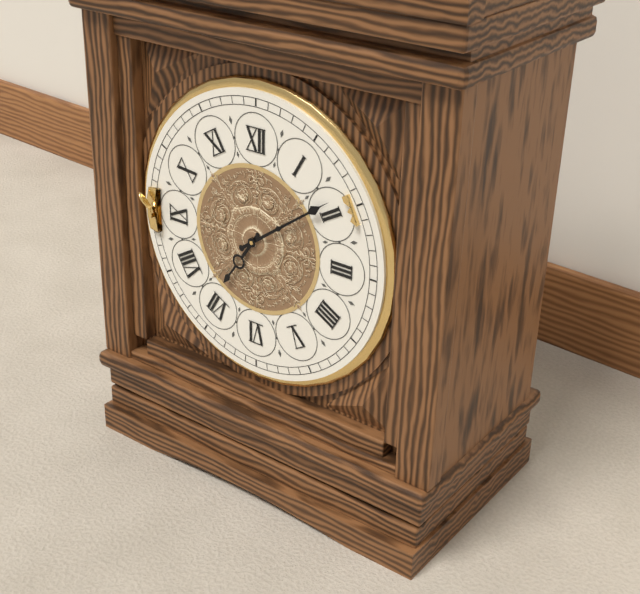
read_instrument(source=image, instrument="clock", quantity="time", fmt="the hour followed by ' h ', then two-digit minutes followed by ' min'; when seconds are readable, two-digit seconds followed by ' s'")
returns 7 h 09 min
